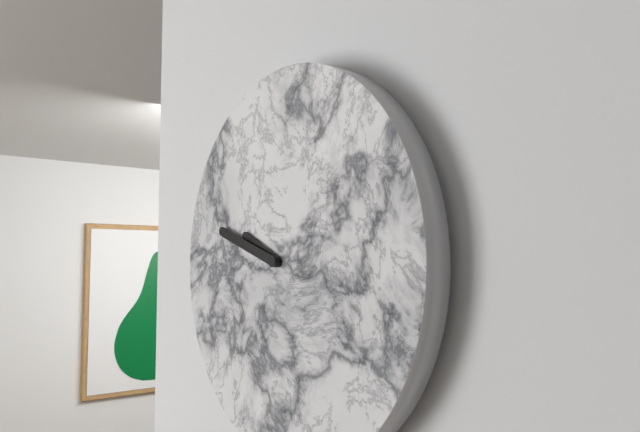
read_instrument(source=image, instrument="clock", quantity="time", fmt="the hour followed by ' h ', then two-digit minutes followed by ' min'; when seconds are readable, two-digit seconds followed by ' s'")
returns 9 h 48 min
